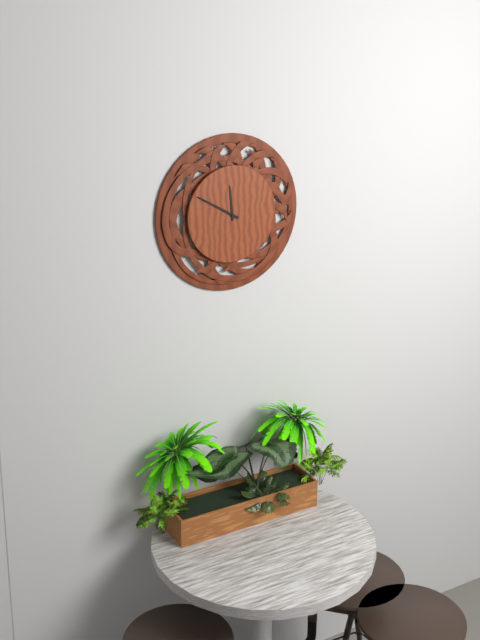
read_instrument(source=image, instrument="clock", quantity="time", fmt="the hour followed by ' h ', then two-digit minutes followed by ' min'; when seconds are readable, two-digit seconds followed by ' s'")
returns 11 h 50 min
